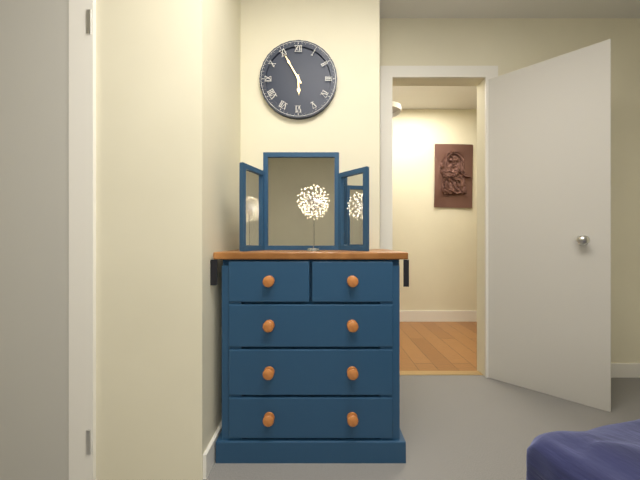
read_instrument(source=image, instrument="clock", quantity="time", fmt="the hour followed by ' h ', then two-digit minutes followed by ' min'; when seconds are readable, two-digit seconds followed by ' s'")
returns 5 h 55 min
